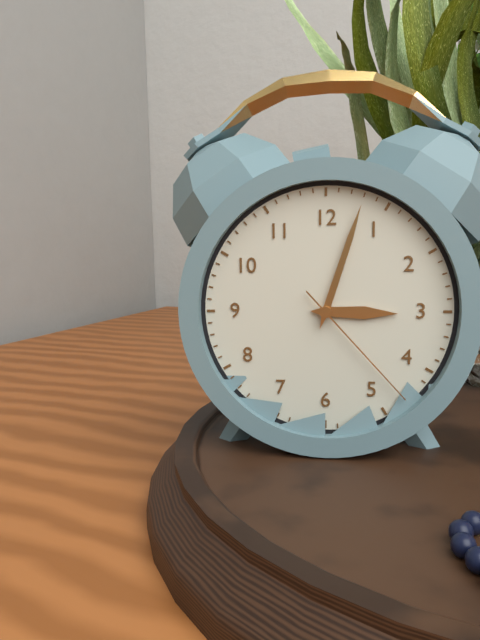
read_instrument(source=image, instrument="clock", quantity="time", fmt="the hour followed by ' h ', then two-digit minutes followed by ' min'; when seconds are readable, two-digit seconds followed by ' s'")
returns 3 h 03 min 23 s
